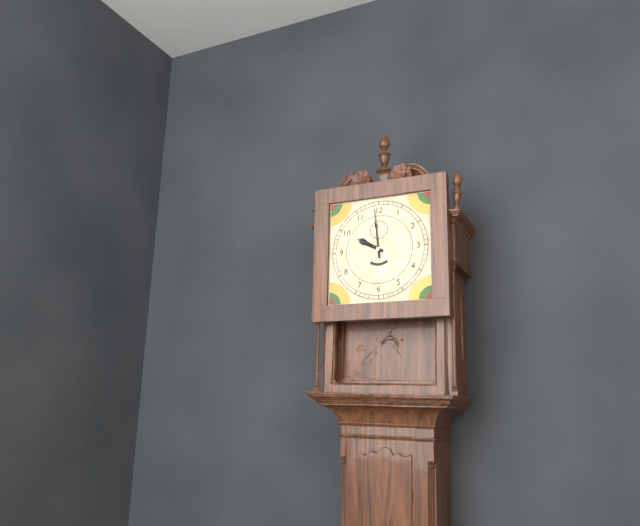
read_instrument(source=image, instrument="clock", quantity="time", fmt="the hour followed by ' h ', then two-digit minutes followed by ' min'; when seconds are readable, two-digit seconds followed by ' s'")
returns 9 h 59 min
